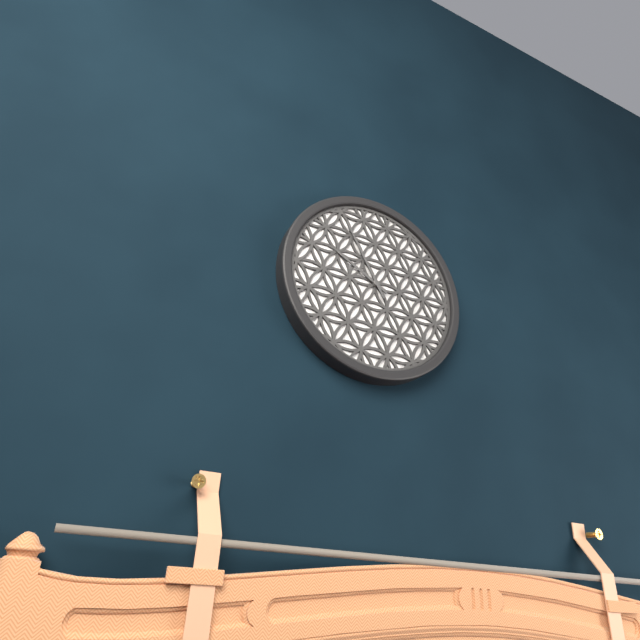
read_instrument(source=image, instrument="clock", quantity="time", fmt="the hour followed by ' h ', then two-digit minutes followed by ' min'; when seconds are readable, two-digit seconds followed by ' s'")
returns 9 h 55 min
